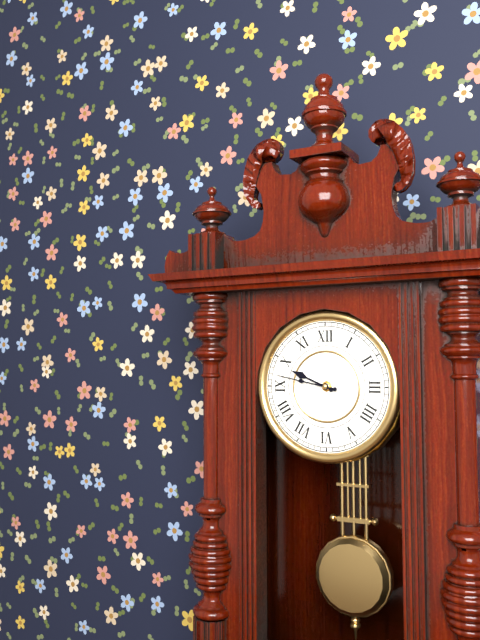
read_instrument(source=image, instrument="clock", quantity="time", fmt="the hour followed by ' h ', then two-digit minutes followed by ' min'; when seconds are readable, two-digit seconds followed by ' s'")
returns 9 h 47 min
